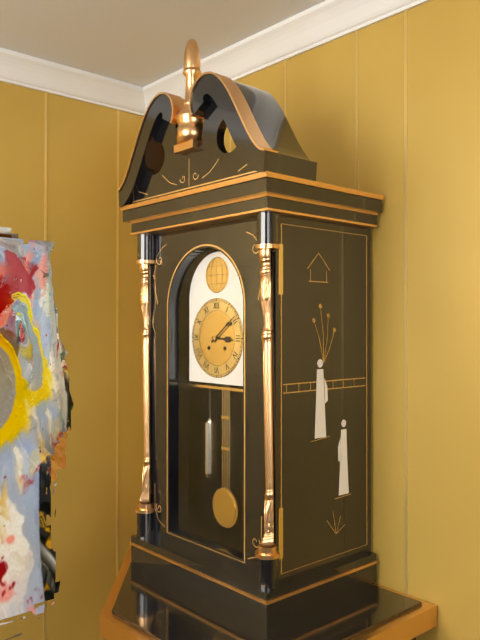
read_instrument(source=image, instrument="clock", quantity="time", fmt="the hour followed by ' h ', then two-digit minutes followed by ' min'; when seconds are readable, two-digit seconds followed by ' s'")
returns 3 h 09 min
